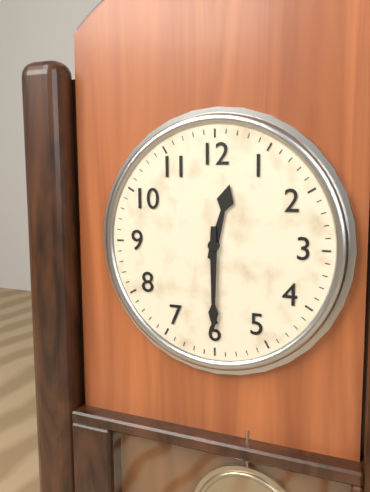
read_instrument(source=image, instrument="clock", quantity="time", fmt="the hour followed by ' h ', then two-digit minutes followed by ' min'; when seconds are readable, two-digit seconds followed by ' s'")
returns 12 h 30 min
